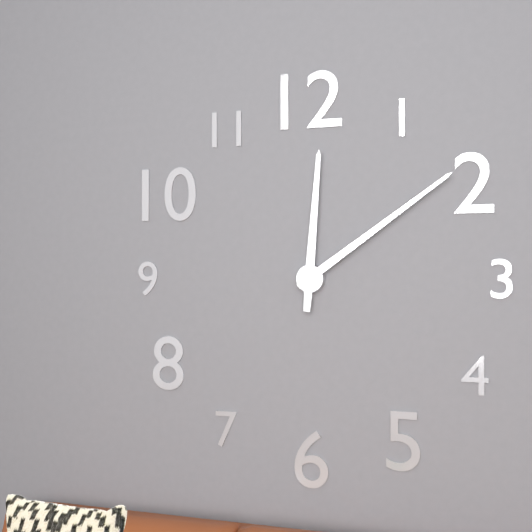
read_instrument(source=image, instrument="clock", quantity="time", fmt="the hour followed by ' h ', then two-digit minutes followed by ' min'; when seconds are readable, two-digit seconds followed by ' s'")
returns 12 h 09 min
